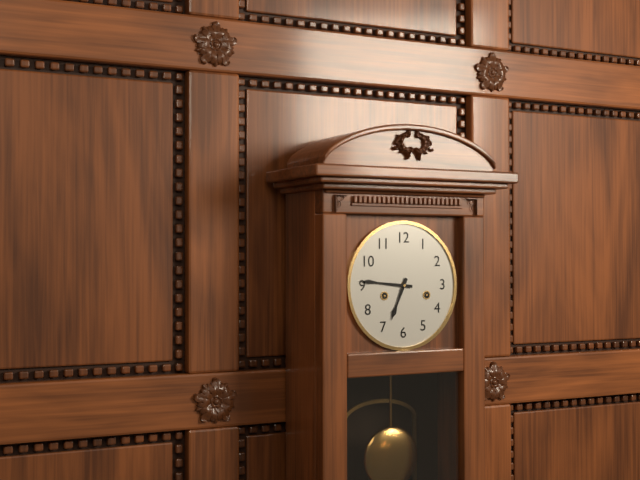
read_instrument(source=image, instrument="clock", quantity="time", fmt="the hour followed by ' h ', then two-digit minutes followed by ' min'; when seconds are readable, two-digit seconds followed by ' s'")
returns 6 h 46 min
